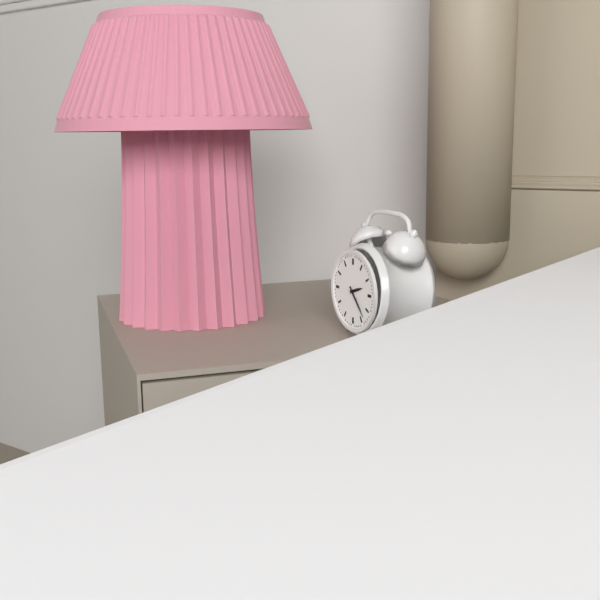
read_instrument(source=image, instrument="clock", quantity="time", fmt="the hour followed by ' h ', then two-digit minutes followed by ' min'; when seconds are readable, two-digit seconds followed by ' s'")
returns 2 h 23 min
